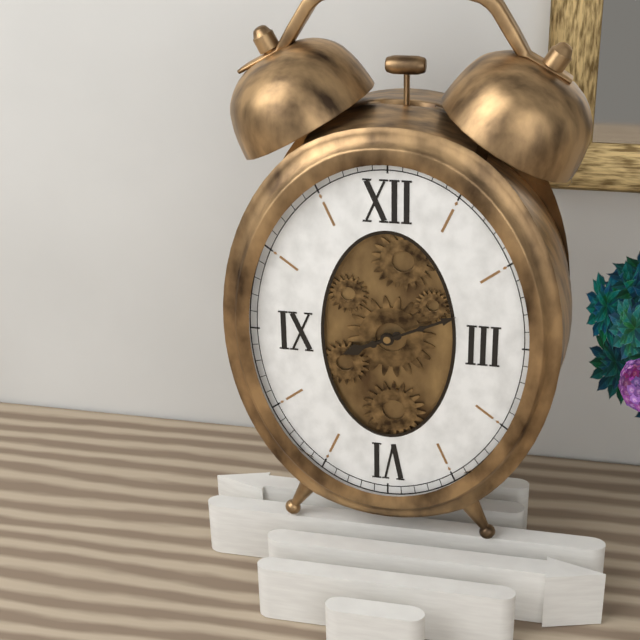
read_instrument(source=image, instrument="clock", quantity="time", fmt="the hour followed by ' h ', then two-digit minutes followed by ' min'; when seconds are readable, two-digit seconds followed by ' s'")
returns 8 h 11 min
